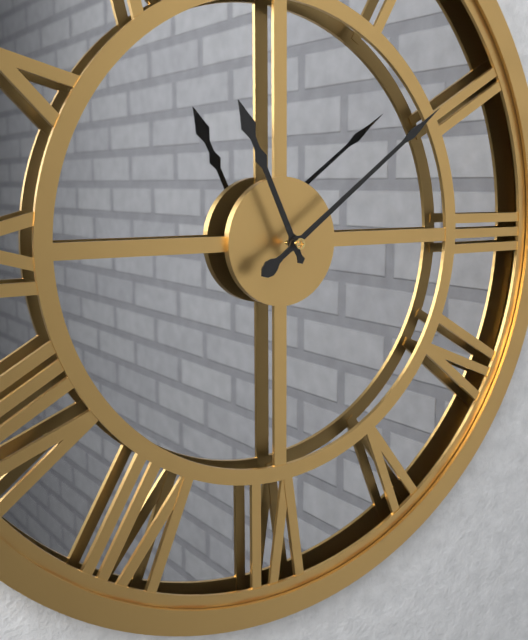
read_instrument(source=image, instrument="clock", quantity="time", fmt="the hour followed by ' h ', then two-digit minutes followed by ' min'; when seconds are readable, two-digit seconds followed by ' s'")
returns 11 h 09 min
